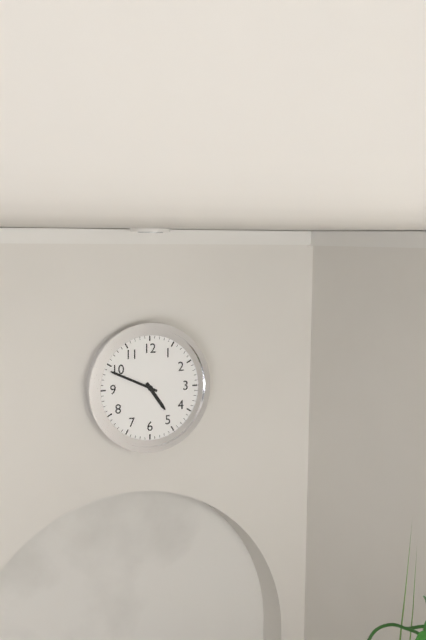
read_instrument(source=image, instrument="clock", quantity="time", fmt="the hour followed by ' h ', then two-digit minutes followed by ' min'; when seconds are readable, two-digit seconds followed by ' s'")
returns 4 h 49 min
